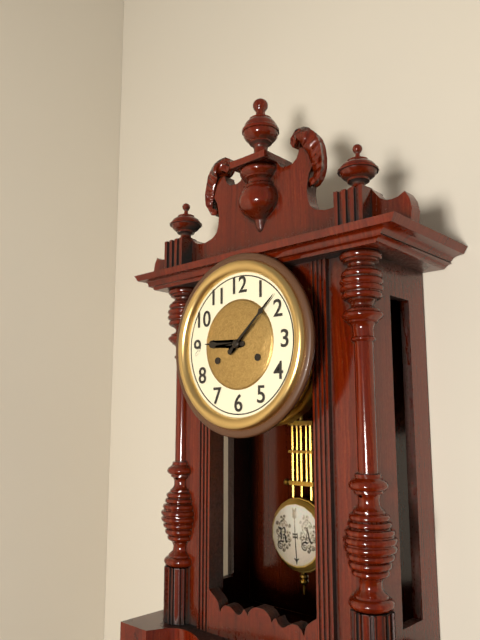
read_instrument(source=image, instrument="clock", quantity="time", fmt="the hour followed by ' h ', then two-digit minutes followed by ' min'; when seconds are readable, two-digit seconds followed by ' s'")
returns 9 h 08 min
